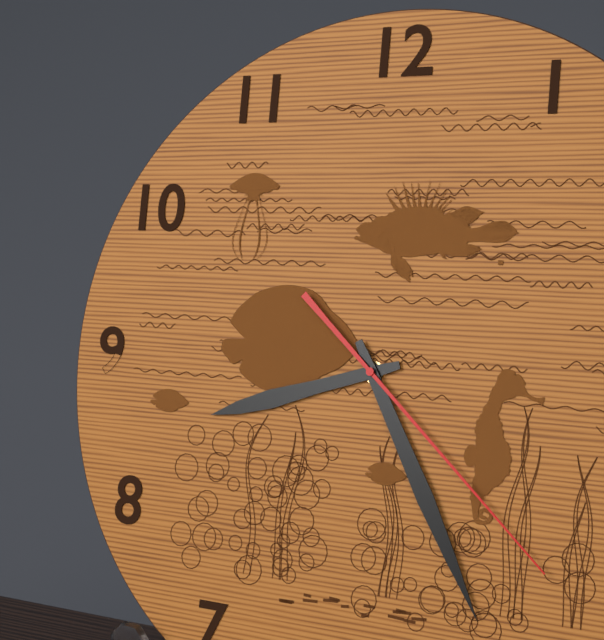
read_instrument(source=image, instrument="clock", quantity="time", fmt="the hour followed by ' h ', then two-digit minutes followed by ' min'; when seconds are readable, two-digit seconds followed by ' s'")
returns 8 h 25 min 22 s
